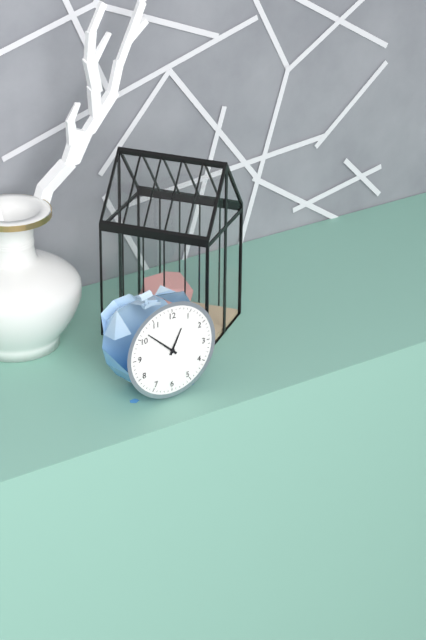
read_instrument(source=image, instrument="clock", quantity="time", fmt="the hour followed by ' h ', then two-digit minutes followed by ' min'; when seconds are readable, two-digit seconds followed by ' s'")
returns 12 h 52 min
